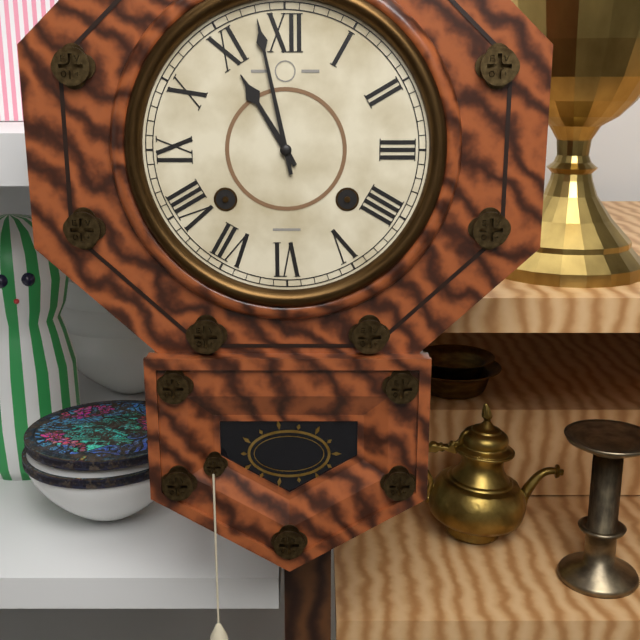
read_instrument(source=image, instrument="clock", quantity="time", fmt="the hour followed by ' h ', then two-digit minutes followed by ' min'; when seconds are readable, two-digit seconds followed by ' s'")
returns 10 h 58 min
